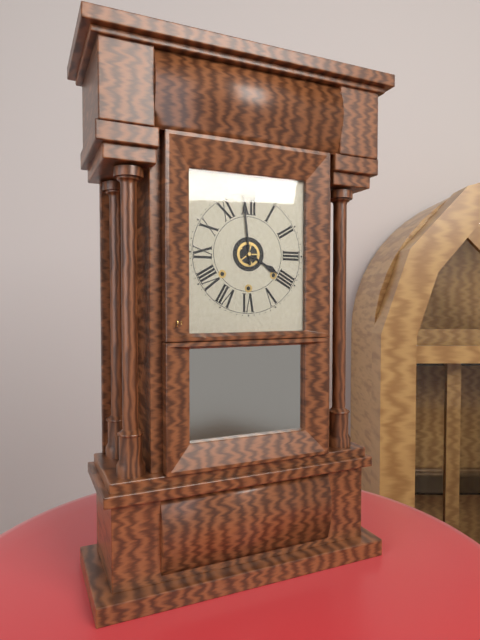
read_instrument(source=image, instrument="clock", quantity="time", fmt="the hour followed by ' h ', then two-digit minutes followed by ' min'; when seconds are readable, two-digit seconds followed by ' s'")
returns 3 h 59 min
